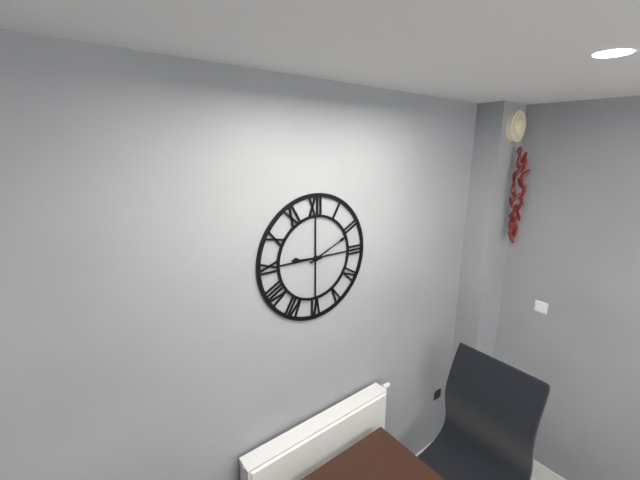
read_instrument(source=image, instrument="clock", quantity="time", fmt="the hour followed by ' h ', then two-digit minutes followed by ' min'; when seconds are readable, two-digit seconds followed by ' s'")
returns 9 h 11 min
